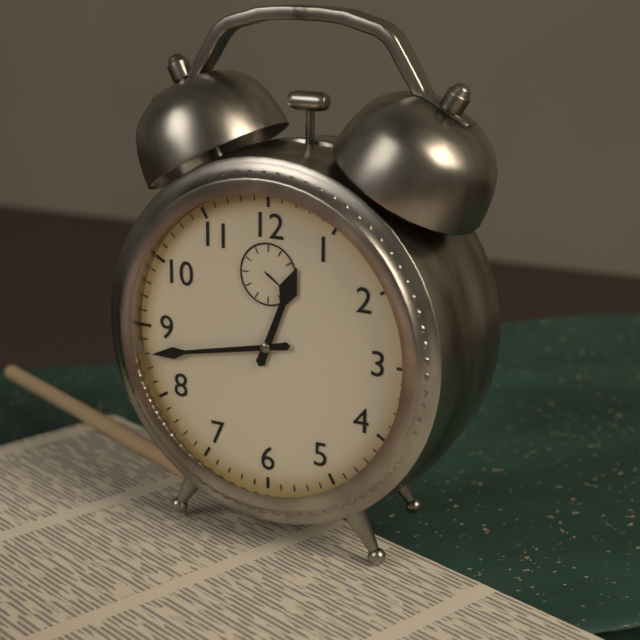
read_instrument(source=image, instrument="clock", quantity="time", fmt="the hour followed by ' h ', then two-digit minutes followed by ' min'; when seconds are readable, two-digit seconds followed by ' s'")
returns 12 h 43 min
